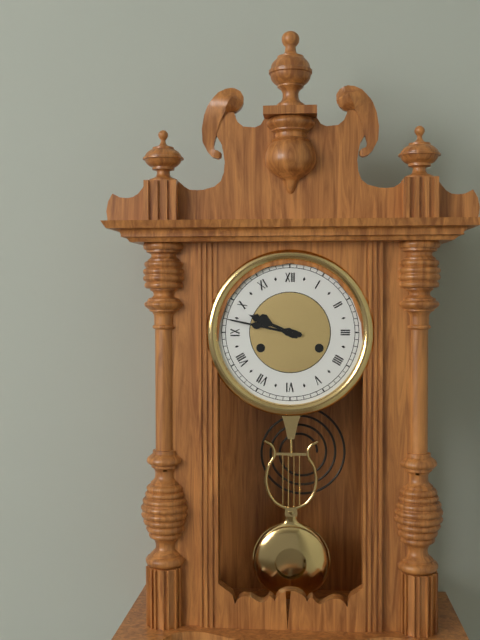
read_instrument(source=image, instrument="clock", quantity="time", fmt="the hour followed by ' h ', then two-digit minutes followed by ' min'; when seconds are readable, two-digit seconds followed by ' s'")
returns 9 h 47 min
